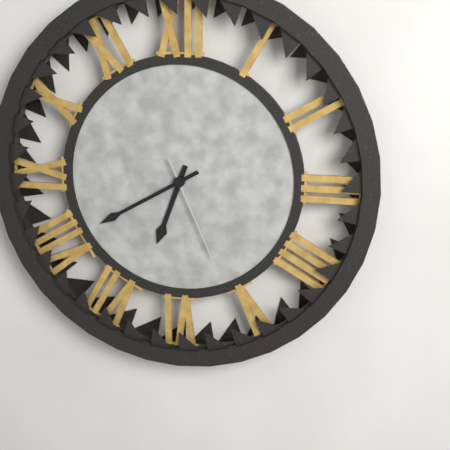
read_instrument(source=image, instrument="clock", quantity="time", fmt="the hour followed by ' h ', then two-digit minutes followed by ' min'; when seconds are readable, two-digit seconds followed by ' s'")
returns 6 h 40 min 26 s
